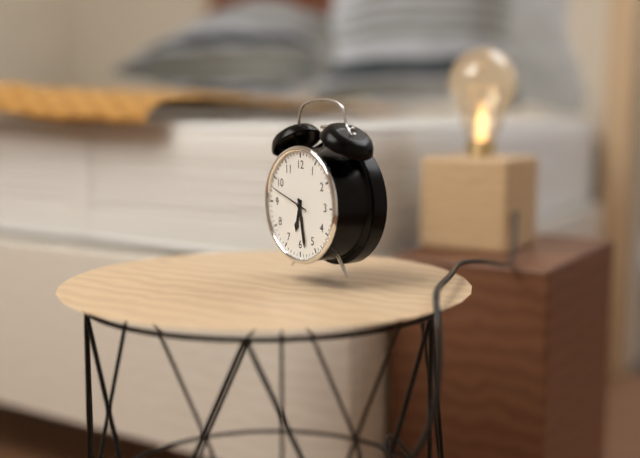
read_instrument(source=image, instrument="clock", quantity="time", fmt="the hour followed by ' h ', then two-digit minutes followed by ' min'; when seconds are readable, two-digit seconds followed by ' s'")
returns 6 h 28 min
